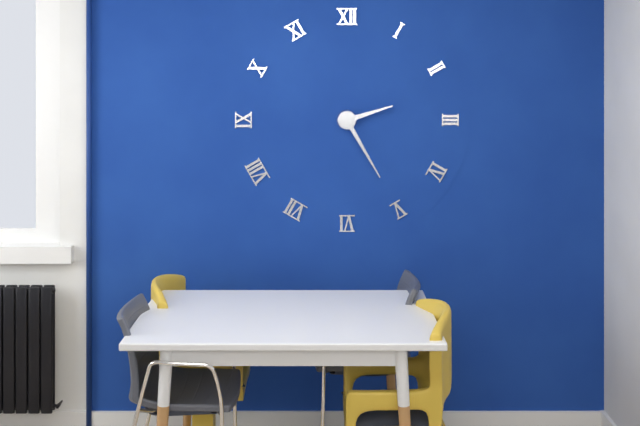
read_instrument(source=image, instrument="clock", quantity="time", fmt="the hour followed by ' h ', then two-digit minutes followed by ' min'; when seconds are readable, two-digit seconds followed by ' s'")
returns 2 h 25 min
